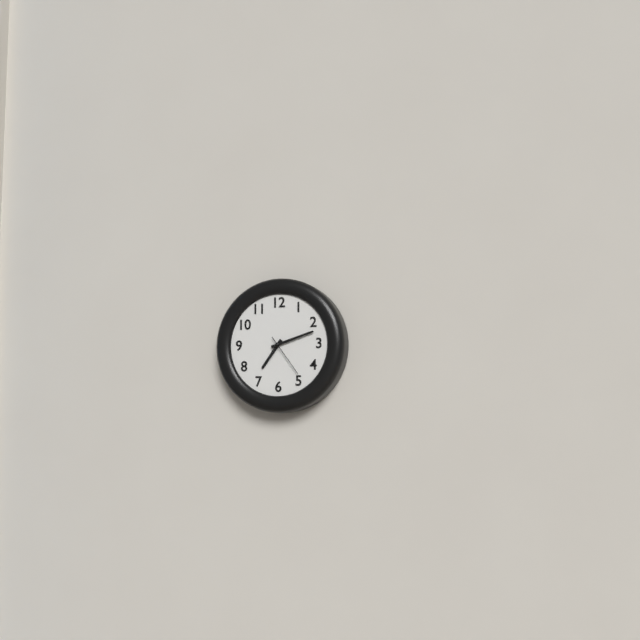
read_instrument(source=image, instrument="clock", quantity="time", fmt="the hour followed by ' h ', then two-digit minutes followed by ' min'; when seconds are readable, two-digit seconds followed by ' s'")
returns 7 h 12 min
